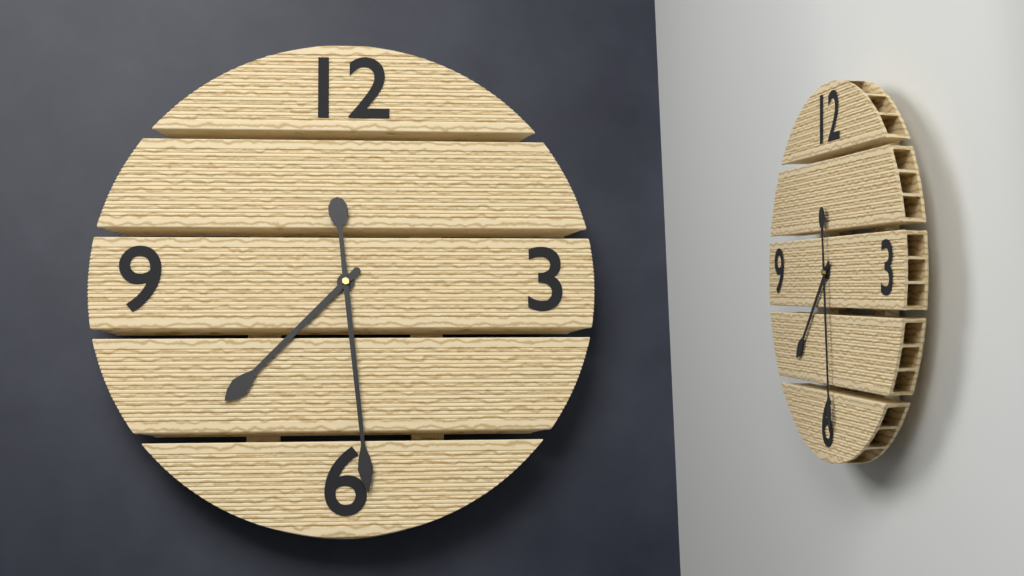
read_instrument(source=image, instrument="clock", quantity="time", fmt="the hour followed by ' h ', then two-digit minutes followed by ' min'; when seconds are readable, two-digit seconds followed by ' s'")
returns 7 h 29 min
